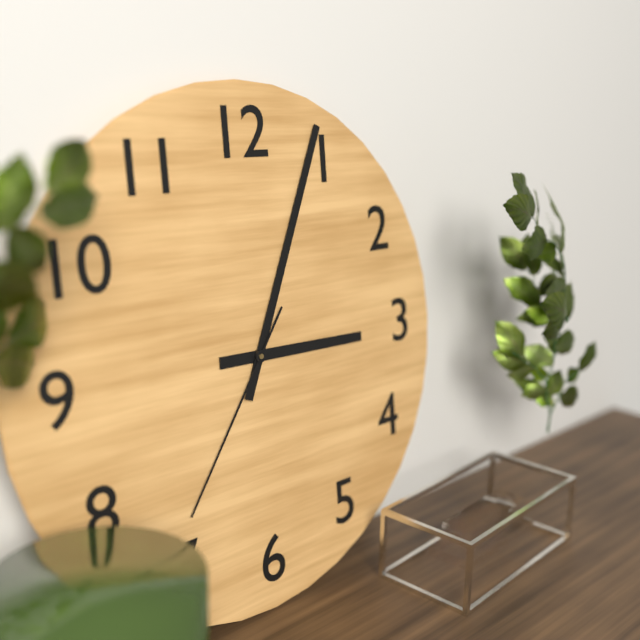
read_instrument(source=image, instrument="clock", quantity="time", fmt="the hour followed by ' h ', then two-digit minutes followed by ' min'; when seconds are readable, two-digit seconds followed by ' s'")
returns 3 h 04 min 36 s
